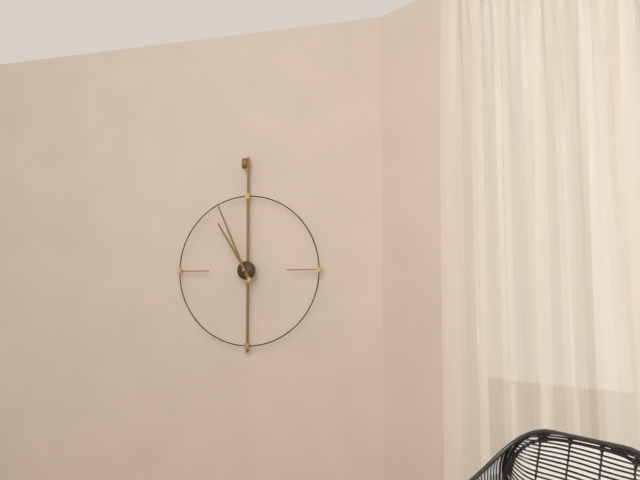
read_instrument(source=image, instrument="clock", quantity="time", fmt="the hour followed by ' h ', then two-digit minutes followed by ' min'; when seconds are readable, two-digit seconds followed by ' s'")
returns 10 h 56 min
